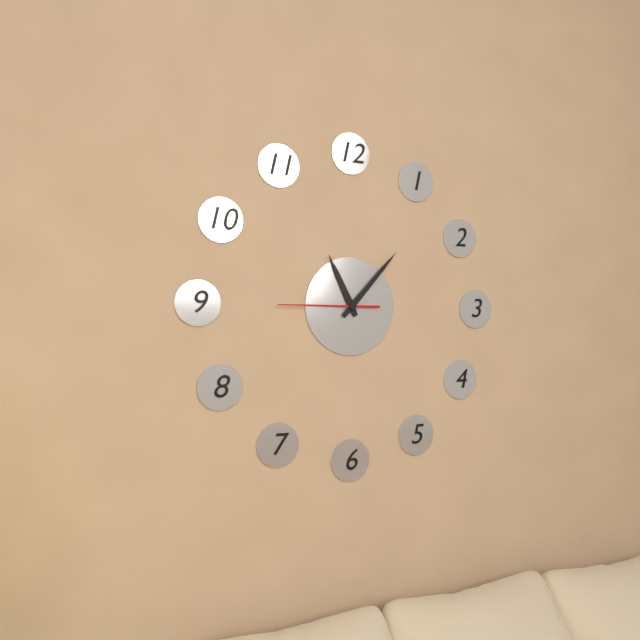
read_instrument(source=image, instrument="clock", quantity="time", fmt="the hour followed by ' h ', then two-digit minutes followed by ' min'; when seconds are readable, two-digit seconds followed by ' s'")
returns 11 h 07 min 45 s
